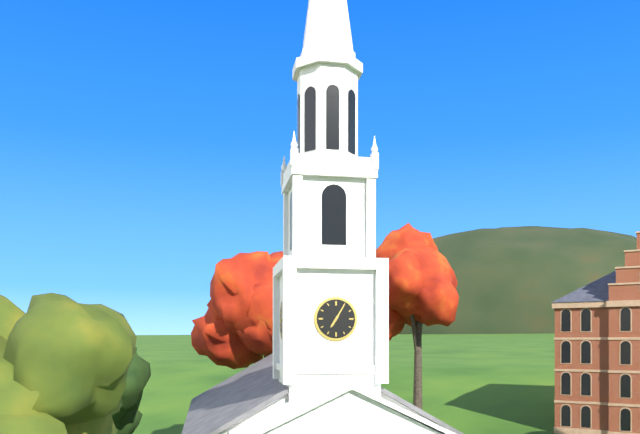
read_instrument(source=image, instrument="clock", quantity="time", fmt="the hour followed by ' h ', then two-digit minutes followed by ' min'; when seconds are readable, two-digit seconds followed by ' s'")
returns 7 h 05 min
